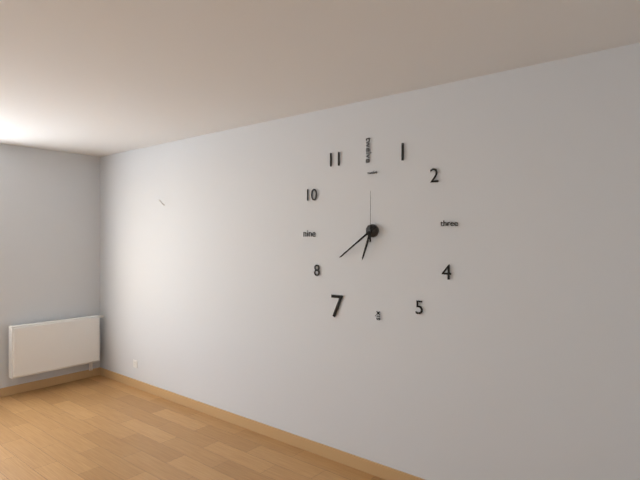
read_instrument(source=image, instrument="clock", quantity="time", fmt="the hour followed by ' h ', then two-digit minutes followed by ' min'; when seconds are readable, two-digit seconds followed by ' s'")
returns 6 h 39 min
